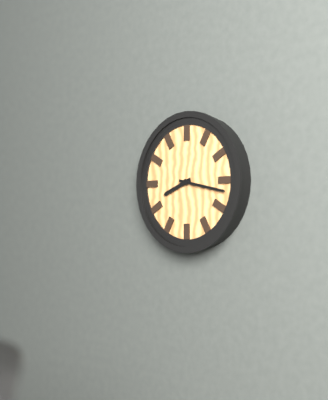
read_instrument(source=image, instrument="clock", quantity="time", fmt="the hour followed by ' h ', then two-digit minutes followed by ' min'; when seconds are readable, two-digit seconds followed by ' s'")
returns 8 h 17 min
